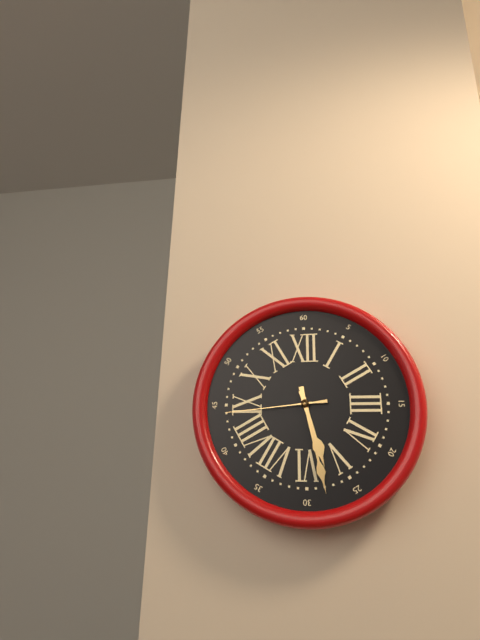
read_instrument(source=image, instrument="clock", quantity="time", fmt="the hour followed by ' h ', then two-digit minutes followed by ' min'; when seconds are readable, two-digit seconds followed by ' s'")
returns 5 h 28 min 44 s
